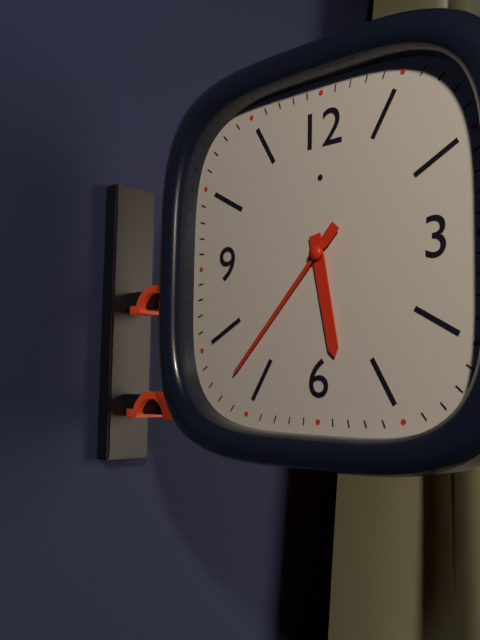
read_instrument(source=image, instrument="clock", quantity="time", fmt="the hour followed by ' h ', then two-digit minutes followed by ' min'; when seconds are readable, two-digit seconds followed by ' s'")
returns 5 h 37 min
